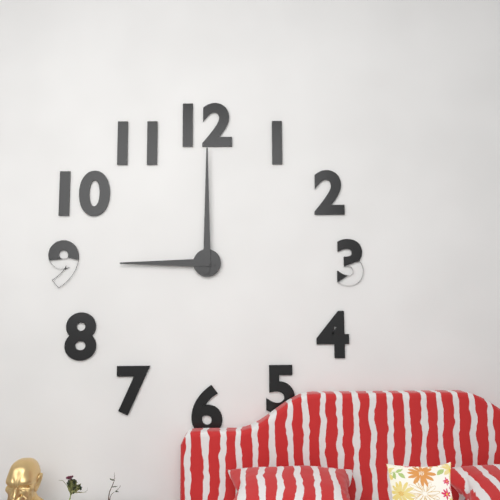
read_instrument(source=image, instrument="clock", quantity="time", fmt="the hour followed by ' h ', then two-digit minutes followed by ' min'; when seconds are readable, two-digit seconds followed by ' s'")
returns 9 h 00 min
